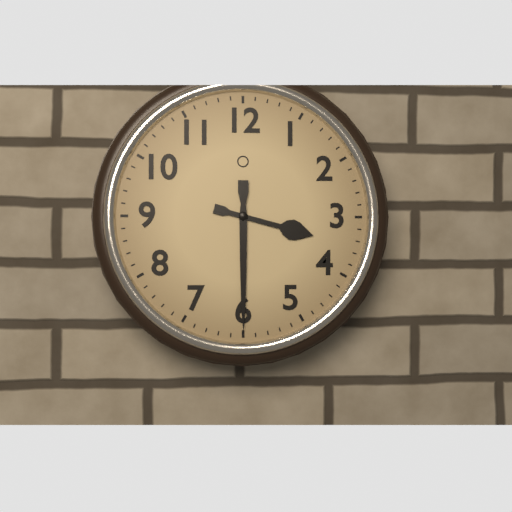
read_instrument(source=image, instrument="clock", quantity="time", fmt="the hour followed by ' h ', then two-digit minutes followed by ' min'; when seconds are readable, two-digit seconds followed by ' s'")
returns 3 h 30 min
